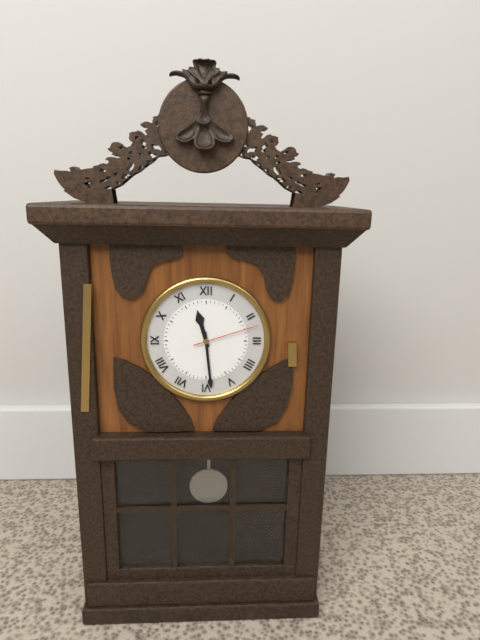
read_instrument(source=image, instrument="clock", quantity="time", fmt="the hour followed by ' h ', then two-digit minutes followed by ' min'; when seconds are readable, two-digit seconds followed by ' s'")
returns 11 h 29 min 12 s
